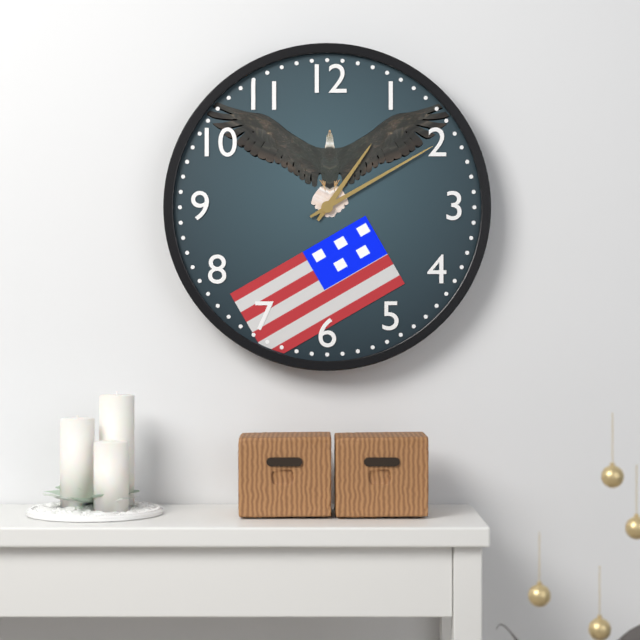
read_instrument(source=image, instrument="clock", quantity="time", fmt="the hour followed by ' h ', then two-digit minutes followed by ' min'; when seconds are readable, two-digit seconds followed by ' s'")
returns 1 h 10 min
